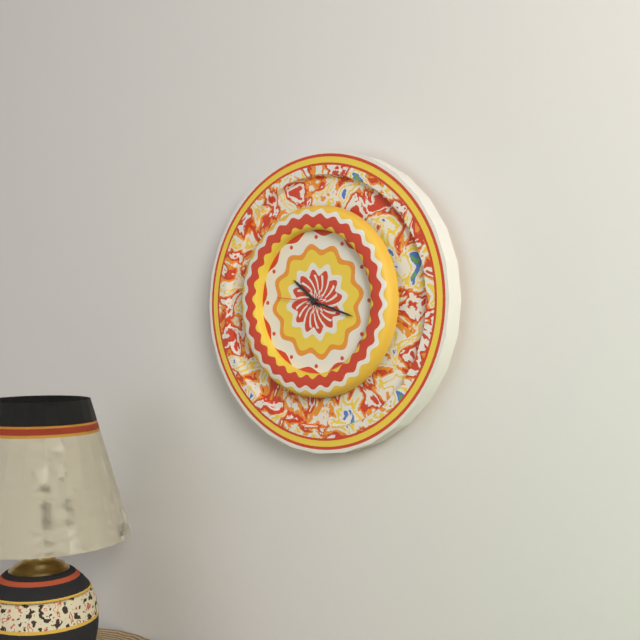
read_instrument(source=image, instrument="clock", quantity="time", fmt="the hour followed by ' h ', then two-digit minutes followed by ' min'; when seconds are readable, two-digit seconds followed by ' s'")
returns 10 h 18 min
